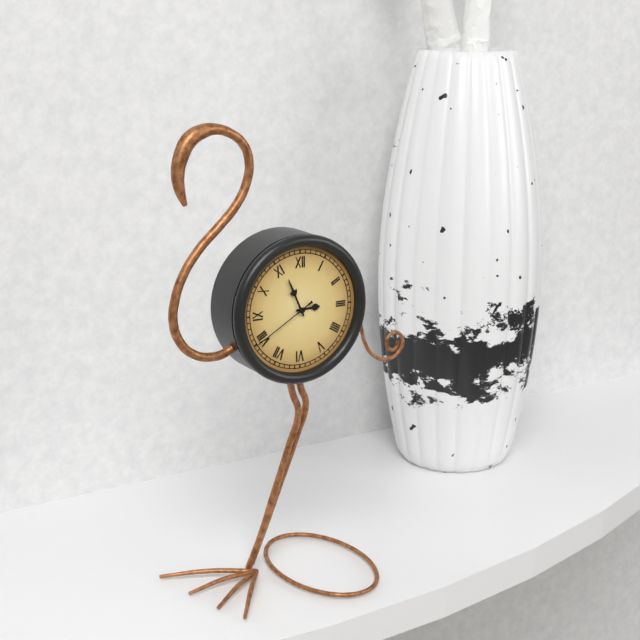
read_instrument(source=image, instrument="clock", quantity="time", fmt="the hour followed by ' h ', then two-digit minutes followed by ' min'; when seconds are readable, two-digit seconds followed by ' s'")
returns 2 h 56 min 40 s
